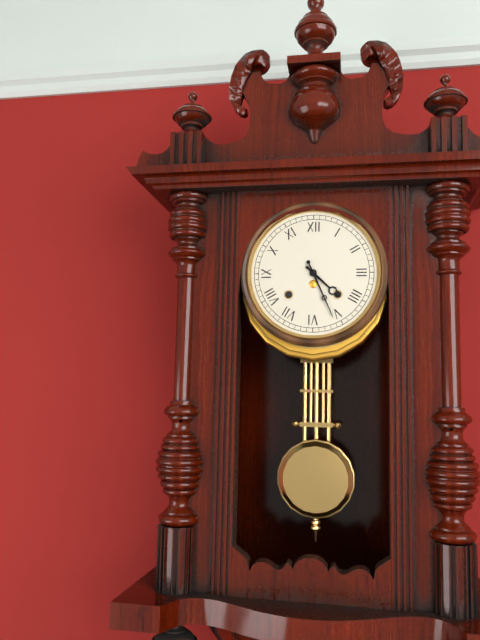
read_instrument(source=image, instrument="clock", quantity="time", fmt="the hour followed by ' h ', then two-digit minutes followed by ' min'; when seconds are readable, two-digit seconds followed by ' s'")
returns 4 h 26 min
